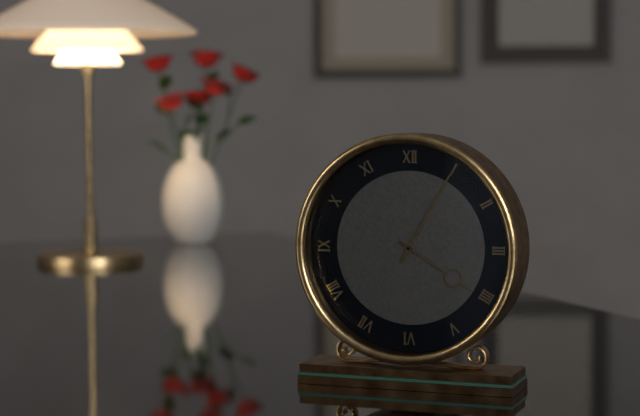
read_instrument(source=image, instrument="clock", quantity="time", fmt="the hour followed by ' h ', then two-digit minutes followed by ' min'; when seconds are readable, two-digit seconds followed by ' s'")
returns 4 h 05 min
